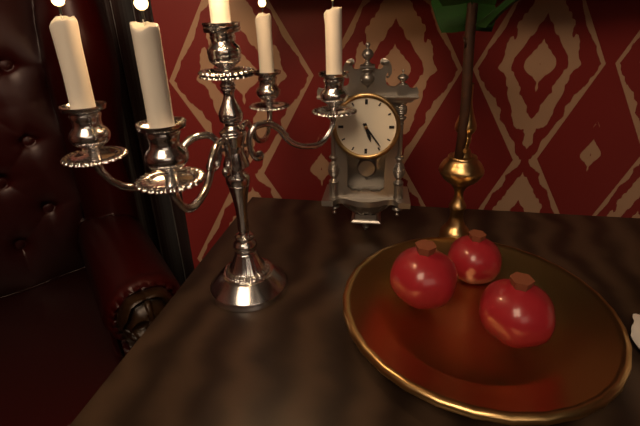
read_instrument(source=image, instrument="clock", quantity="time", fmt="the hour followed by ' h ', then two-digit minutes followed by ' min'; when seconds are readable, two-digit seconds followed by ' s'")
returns 5 h 24 min
